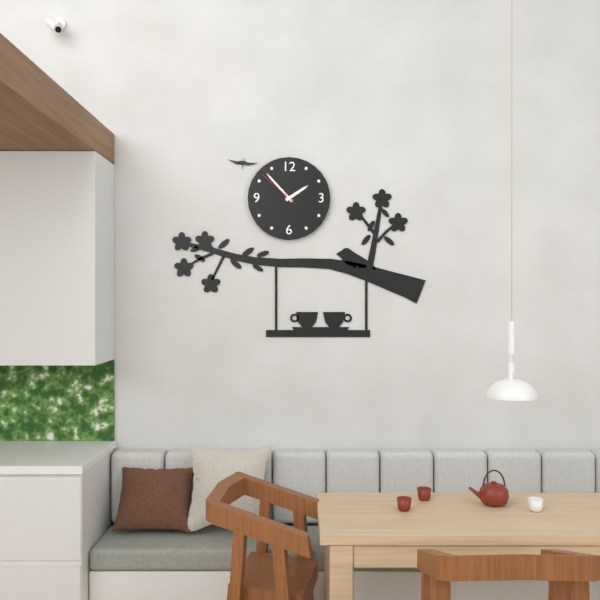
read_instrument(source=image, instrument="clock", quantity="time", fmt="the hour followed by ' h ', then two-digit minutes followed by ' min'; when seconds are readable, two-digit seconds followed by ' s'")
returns 1 h 53 min
